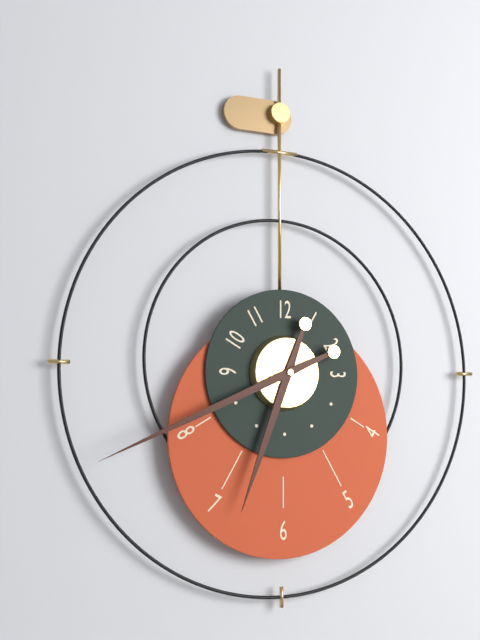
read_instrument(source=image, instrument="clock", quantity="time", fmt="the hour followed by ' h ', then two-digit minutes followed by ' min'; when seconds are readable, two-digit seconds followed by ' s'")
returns 6 h 41 min
